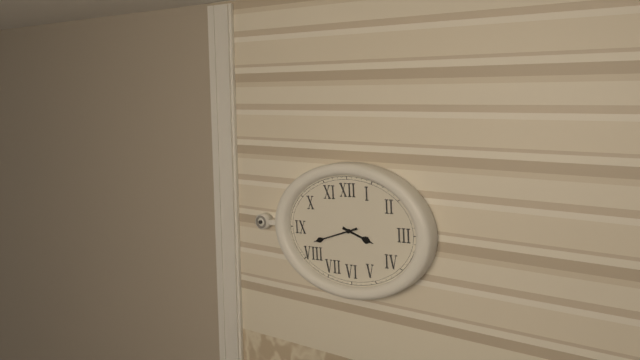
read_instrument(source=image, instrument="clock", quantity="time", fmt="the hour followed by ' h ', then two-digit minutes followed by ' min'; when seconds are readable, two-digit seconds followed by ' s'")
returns 3 h 42 min
